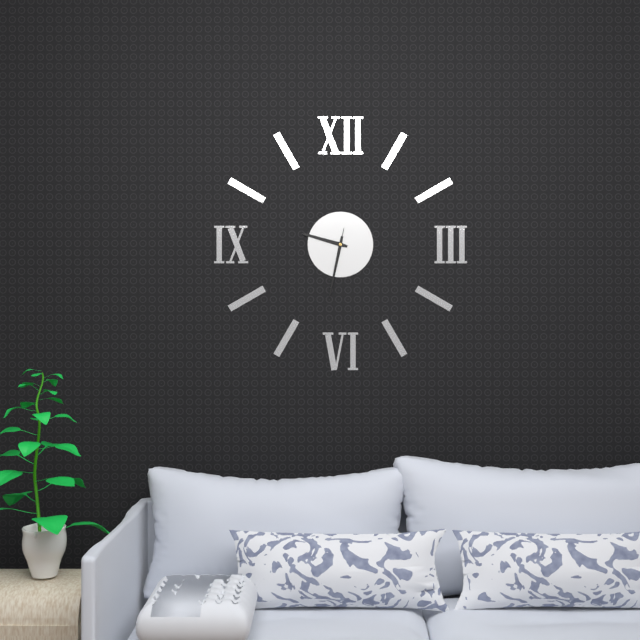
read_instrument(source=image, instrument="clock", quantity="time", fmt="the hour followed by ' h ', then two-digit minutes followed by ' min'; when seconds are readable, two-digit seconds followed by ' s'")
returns 9 h 32 min 32 s
